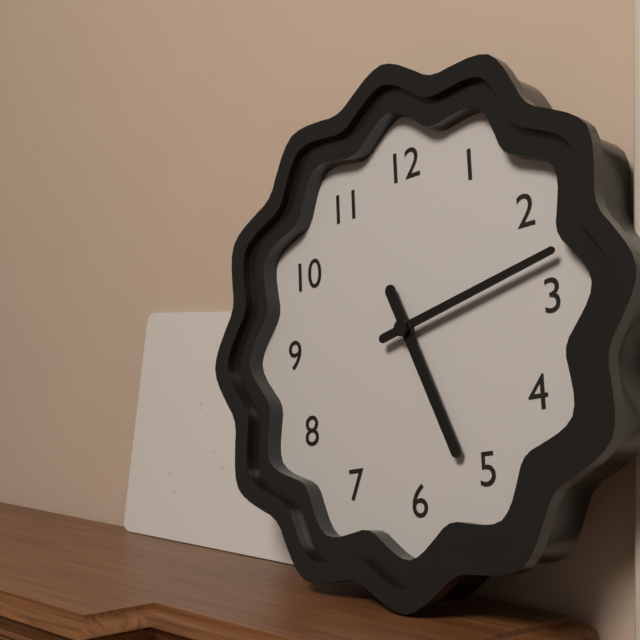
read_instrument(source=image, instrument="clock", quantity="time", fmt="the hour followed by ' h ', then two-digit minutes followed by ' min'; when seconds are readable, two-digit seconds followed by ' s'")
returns 5 h 13 min
